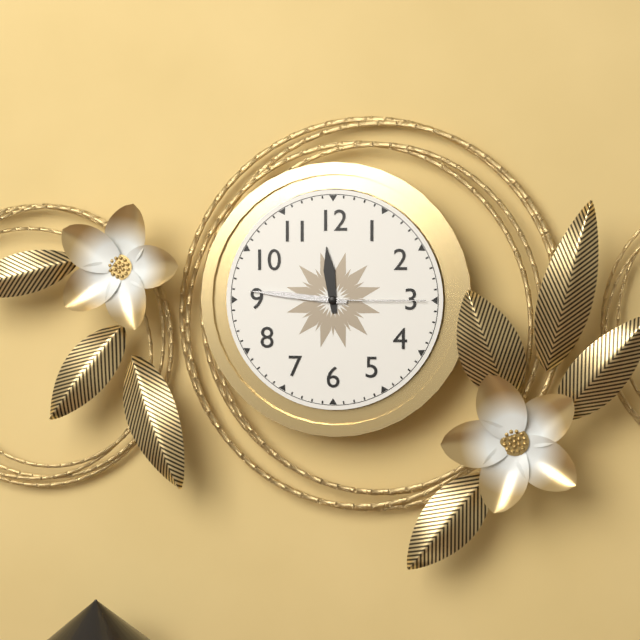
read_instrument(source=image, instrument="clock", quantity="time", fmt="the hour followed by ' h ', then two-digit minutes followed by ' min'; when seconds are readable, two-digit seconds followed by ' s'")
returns 11 h 46 min 15 s
